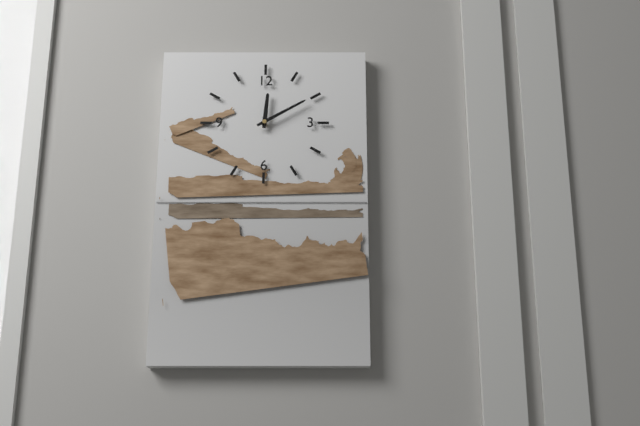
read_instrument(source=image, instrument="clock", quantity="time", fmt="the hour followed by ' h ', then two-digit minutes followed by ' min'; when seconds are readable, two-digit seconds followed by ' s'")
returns 12 h 10 min
